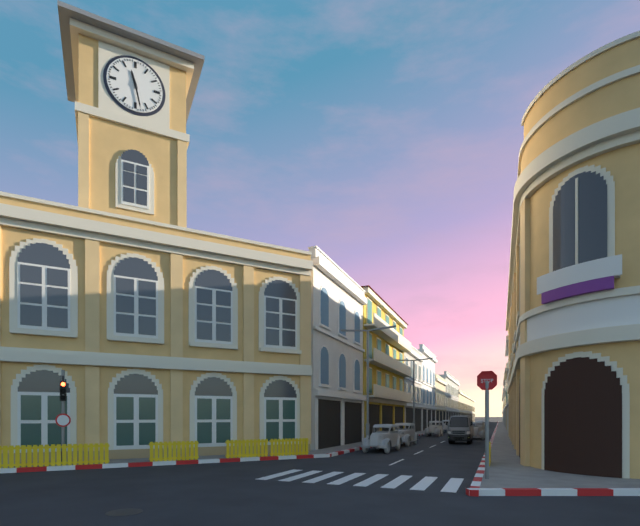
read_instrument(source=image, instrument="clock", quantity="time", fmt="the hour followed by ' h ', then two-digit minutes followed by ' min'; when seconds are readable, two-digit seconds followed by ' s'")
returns 11 h 28 min
